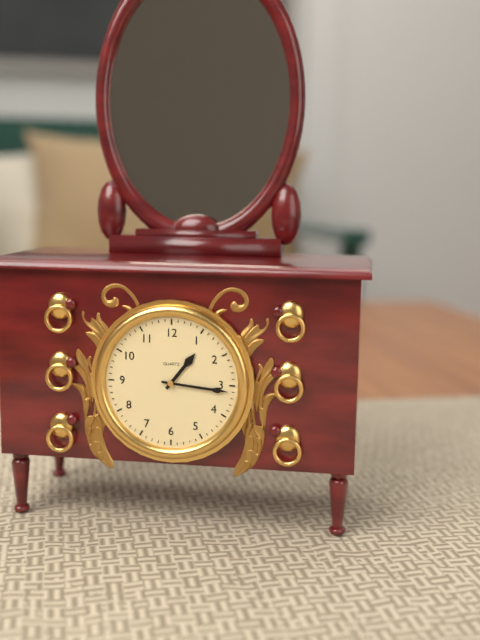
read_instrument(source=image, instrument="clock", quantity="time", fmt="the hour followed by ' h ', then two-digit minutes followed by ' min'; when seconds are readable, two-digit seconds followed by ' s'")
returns 1 h 16 min
